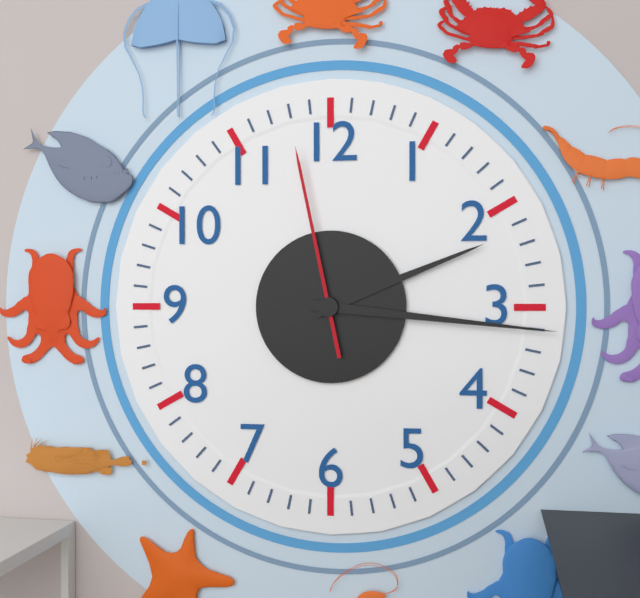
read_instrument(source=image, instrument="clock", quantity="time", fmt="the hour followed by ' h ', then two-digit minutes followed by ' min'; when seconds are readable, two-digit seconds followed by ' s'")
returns 2 h 16 min 58 s
